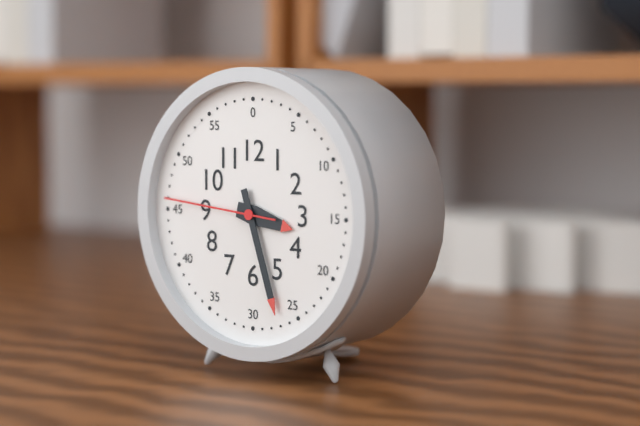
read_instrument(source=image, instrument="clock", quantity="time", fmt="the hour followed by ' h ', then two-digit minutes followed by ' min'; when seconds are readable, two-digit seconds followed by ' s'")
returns 3 h 27 min 46 s
